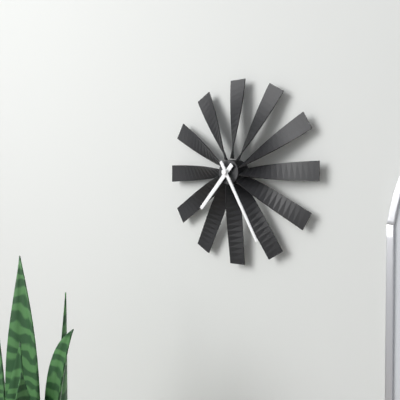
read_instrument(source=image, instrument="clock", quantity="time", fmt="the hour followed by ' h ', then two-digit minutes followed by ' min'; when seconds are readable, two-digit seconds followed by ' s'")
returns 7 h 25 min
